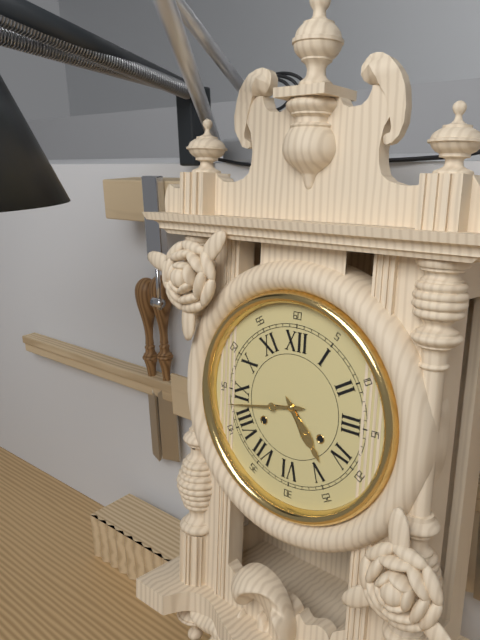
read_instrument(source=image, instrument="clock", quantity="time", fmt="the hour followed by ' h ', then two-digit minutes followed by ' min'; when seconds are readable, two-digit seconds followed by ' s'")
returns 4 h 43 min
